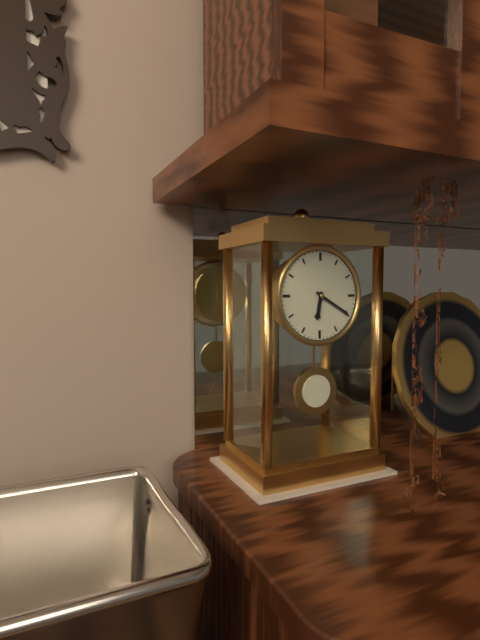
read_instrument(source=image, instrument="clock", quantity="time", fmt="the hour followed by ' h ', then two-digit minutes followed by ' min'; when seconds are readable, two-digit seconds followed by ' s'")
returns 6 h 20 min
